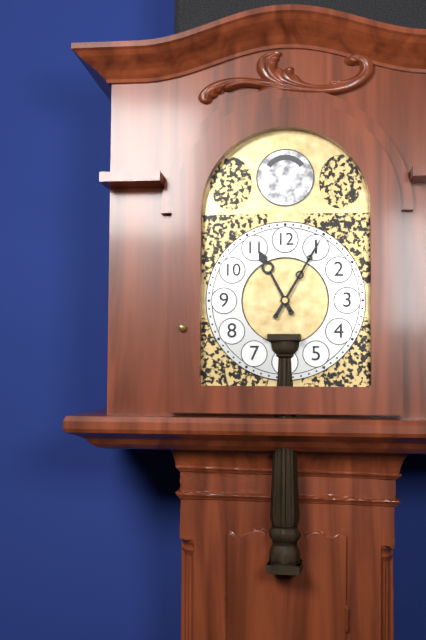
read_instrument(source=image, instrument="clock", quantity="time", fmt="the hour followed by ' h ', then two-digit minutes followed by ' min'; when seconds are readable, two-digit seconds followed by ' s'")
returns 11 h 05 min
